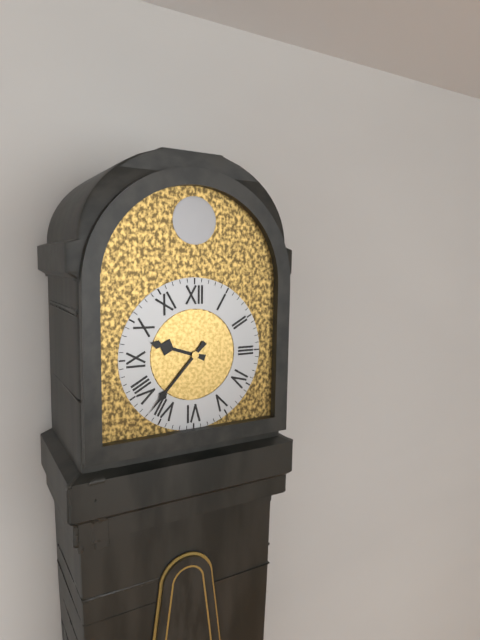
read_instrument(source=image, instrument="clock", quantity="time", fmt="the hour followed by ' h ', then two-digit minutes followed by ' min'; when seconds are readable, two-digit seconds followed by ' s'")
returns 9 h 37 min
